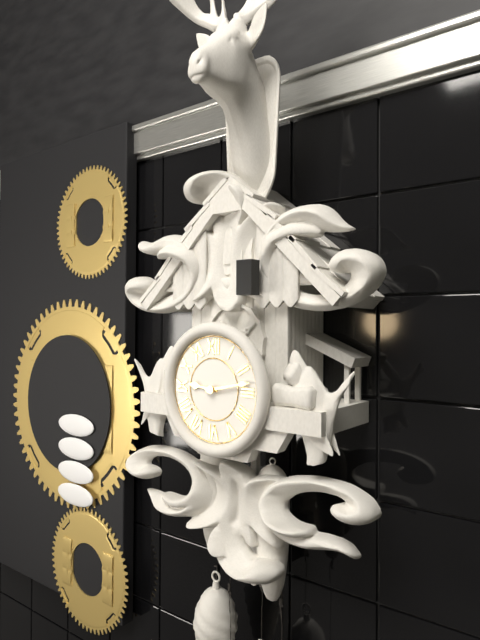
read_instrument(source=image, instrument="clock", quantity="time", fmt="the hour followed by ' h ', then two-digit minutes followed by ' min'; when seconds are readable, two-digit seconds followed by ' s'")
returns 9 h 13 min
